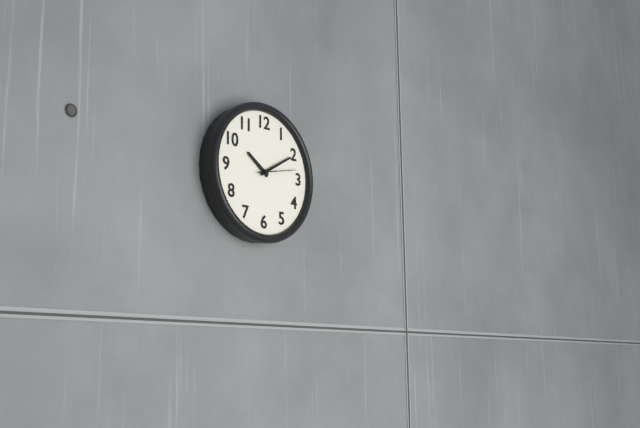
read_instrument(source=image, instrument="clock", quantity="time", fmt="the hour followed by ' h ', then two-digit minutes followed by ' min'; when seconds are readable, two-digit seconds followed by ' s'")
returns 10 h 10 min
